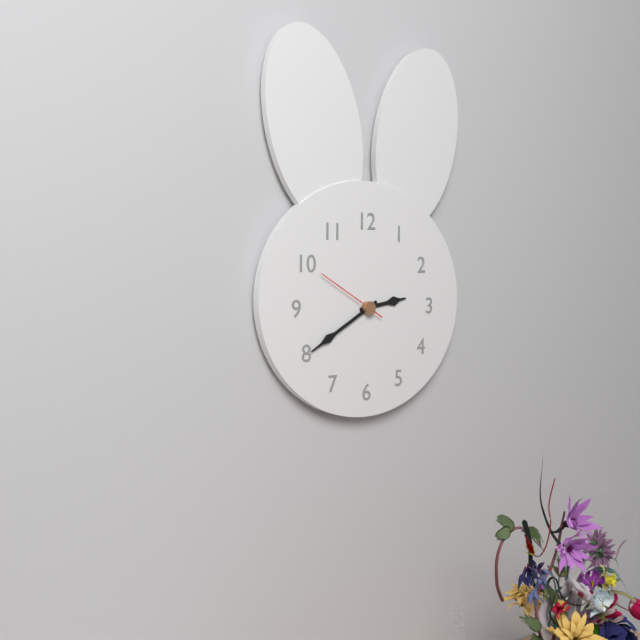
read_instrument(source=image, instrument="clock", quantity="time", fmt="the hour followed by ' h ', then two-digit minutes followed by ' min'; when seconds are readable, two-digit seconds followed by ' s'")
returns 2 h 40 min 50 s
